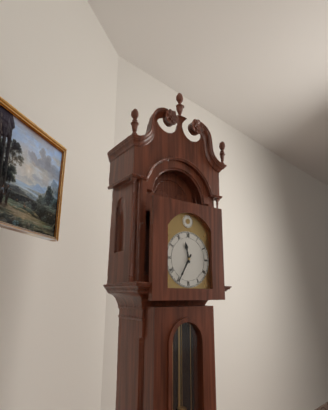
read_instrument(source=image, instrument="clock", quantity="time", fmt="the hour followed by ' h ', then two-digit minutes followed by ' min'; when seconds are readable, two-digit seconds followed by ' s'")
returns 11 h 35 min
